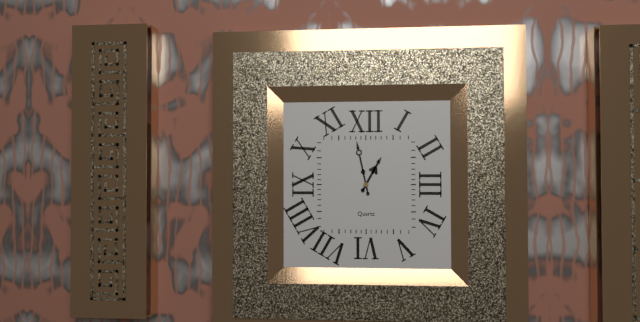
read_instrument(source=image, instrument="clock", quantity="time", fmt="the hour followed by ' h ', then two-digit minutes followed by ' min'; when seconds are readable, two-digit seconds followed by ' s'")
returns 12 h 58 min
